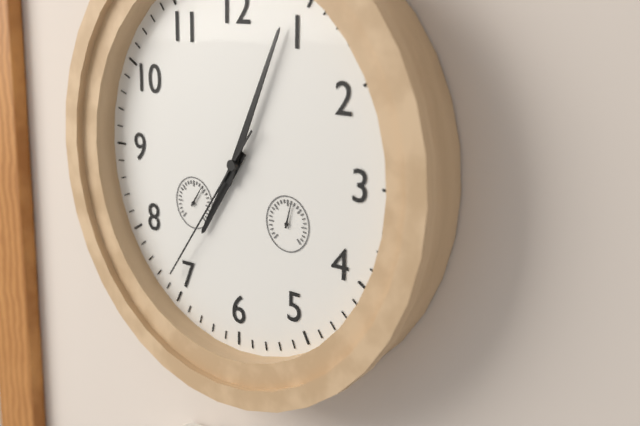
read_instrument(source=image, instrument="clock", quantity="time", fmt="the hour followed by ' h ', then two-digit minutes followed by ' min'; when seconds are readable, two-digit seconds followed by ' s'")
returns 7 h 04 min 36 s
